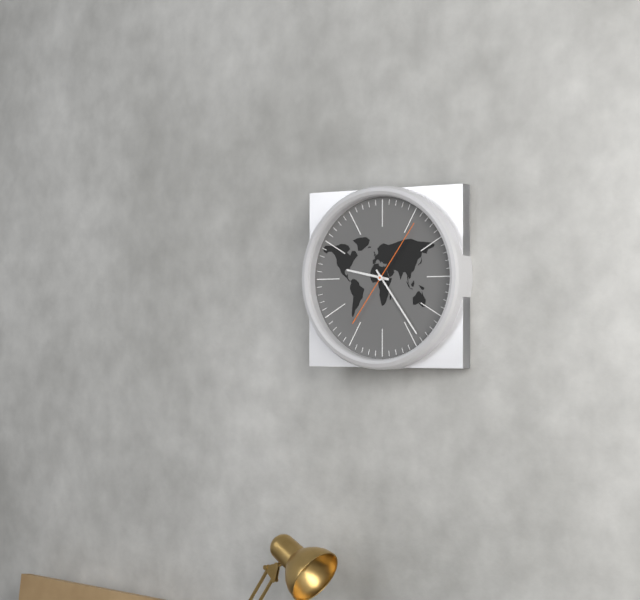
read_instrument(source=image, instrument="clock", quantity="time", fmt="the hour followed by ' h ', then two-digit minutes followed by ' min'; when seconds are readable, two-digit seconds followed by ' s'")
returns 9 h 24 min 06 s
